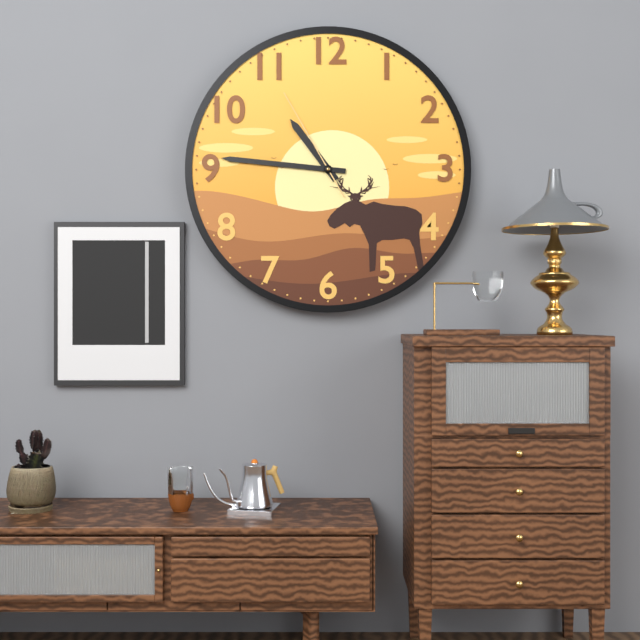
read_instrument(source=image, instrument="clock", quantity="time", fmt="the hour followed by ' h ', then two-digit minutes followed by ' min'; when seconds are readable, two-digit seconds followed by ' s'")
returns 10 h 46 min 55 s
